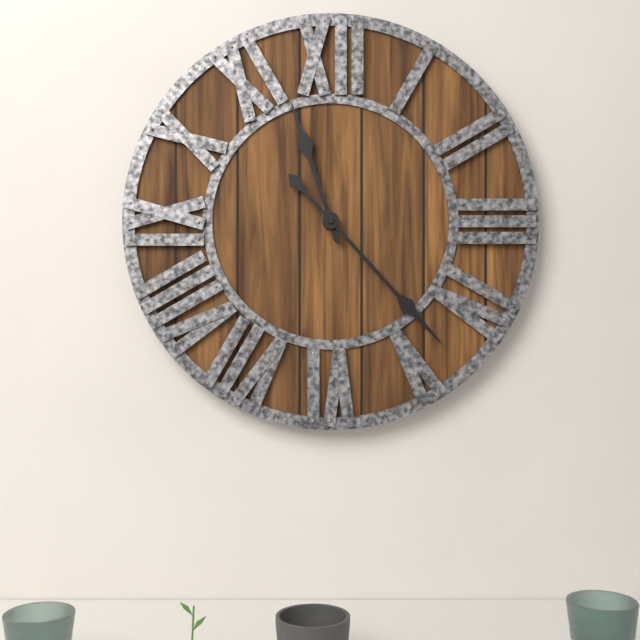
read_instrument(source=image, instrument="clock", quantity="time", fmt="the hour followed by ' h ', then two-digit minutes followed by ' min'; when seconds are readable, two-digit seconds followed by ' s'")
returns 11 h 23 min
